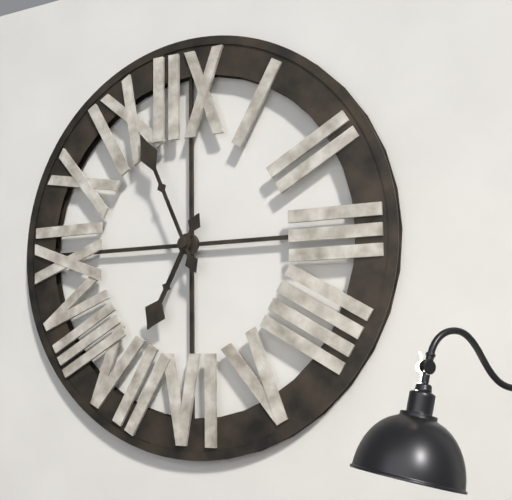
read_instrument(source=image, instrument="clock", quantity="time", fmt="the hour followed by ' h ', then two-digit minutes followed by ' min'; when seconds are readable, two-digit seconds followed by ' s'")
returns 6 h 56 min
